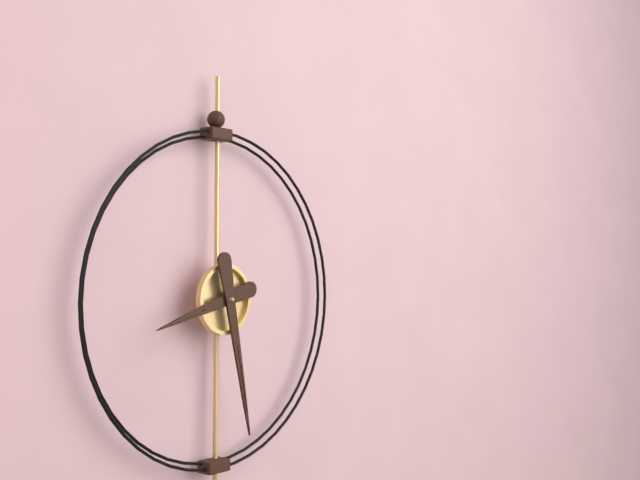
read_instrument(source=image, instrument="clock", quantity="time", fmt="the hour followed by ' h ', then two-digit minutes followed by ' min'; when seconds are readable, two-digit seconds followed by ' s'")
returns 8 h 28 min
